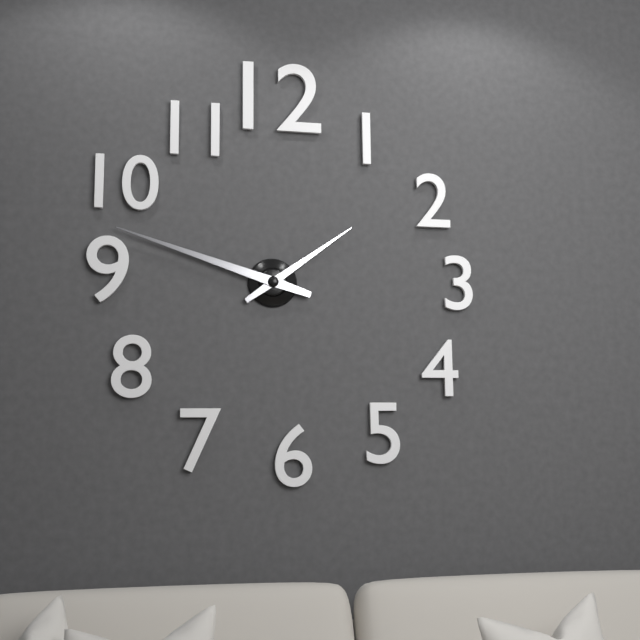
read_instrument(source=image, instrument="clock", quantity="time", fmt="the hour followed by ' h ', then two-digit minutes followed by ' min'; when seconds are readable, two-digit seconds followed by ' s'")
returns 1 h 48 min
